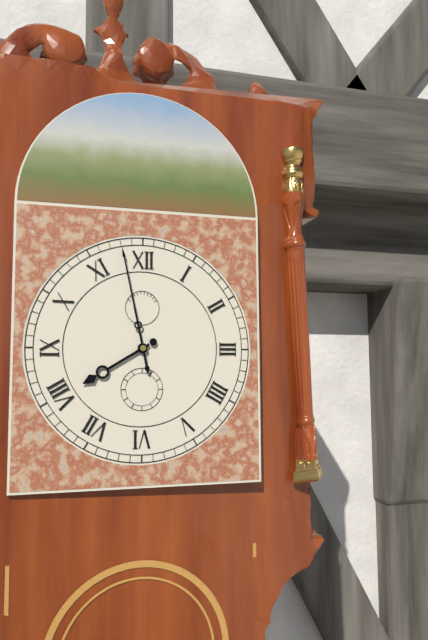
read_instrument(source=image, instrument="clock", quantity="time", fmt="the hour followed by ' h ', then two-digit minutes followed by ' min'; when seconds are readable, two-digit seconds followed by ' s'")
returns 7 h 58 min
